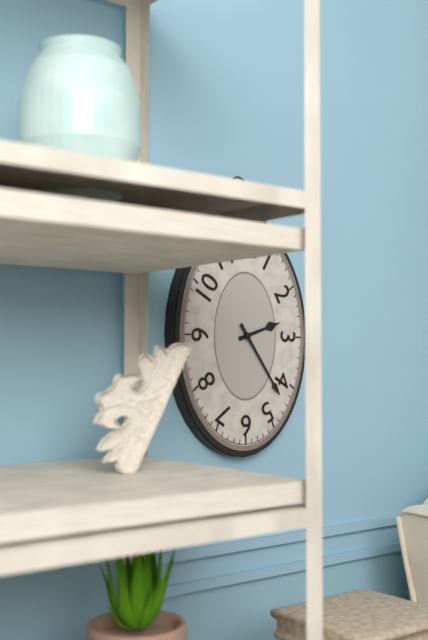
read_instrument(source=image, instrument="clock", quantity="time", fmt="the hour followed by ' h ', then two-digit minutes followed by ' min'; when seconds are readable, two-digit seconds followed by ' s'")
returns 2 h 24 min
